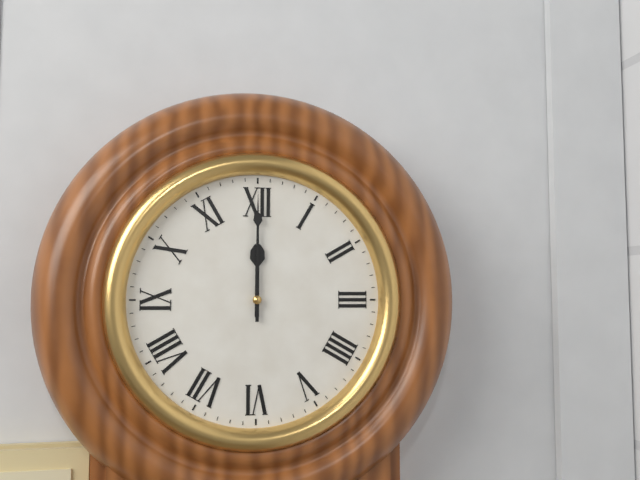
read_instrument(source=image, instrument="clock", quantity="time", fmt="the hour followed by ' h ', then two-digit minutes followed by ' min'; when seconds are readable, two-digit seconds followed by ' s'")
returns 12 h 00 min
